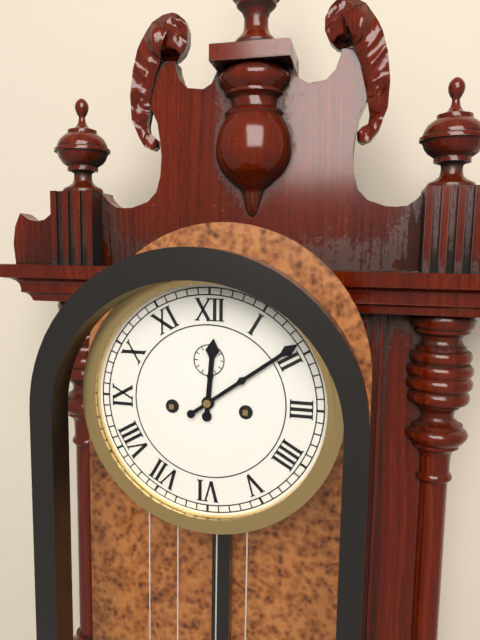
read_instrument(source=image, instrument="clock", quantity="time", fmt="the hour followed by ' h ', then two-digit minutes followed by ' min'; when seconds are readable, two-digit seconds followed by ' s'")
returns 12 h 09 min
